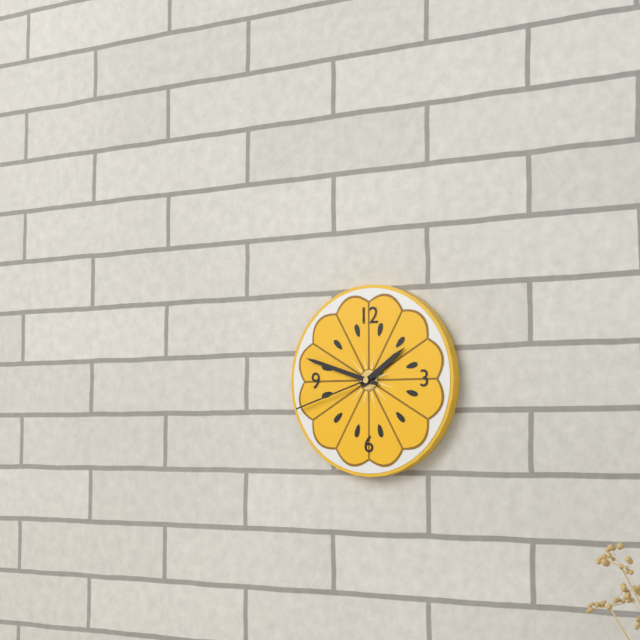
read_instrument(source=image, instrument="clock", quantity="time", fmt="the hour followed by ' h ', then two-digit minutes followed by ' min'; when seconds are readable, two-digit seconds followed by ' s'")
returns 1 h 48 min 42 s
